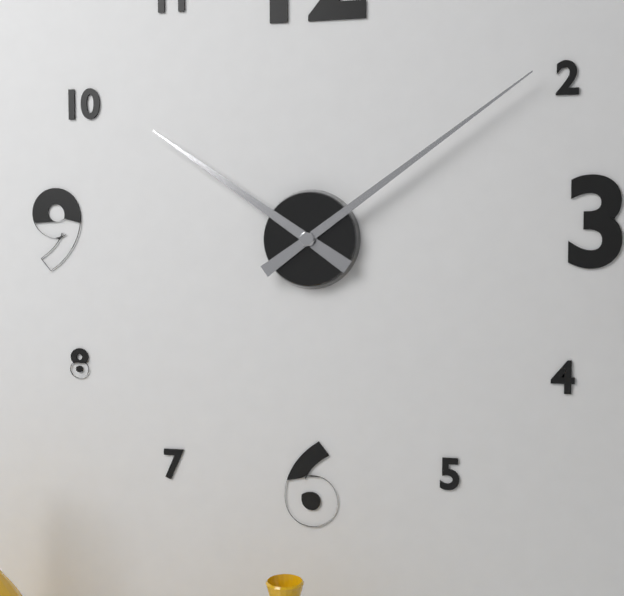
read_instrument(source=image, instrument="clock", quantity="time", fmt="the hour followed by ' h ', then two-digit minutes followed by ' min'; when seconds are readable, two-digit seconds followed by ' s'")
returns 10 h 09 min
